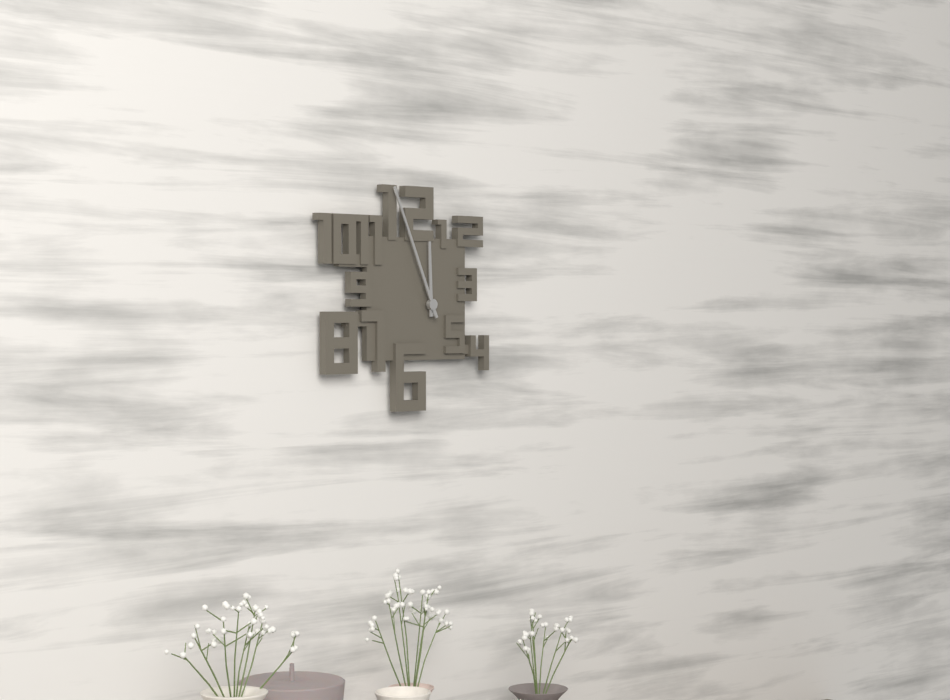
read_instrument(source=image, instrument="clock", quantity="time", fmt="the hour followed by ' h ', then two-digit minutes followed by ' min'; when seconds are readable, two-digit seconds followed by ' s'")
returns 11 h 56 min
